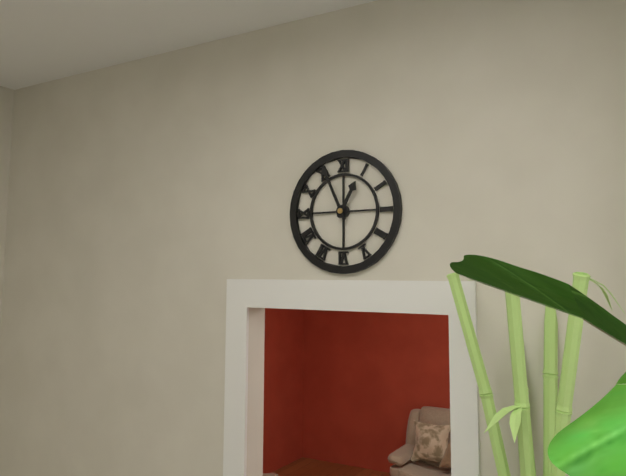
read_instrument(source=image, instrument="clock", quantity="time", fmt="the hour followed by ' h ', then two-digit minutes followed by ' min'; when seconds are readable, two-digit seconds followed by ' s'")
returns 12 h 56 min
